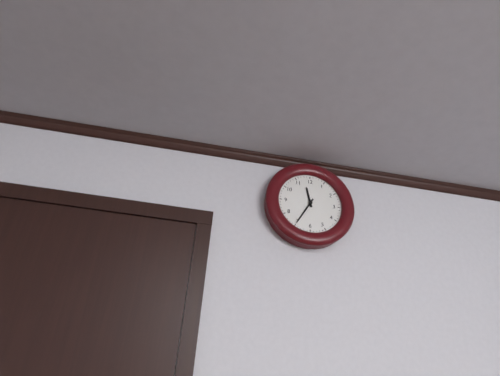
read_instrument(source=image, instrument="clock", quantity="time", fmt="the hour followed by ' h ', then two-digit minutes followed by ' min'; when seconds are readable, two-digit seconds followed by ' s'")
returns 11 h 35 min
